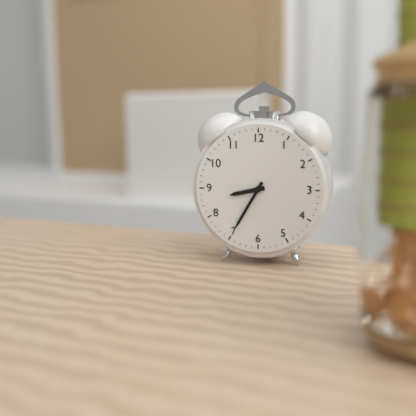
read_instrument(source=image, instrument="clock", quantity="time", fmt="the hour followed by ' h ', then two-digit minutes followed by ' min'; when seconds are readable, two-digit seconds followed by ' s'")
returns 8 h 35 min
